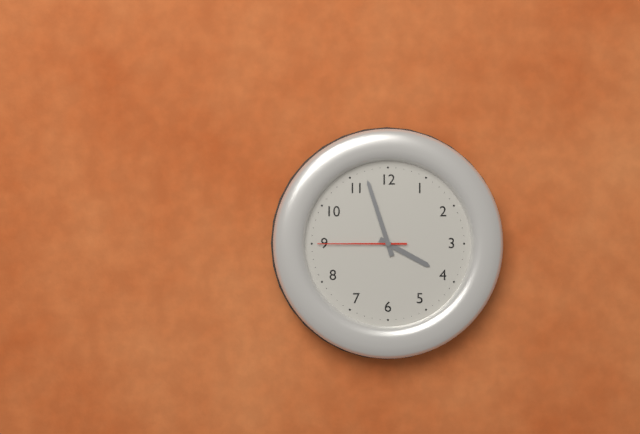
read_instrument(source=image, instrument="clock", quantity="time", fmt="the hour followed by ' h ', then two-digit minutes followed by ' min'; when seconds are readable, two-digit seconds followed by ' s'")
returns 3 h 57 min 45 s
